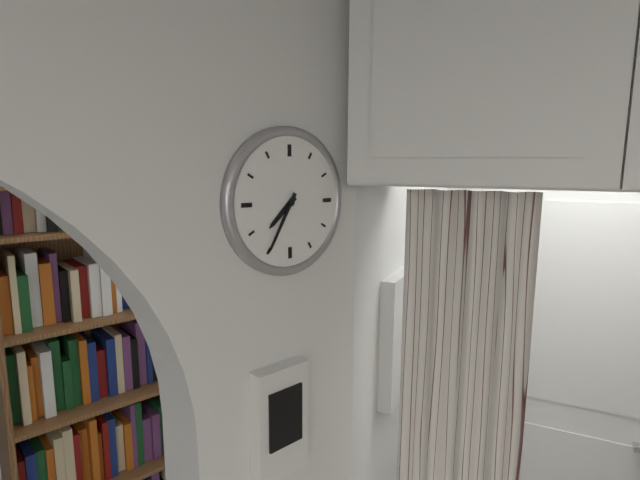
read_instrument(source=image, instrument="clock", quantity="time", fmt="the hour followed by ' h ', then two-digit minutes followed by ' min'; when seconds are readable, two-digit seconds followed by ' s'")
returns 7 h 35 min
